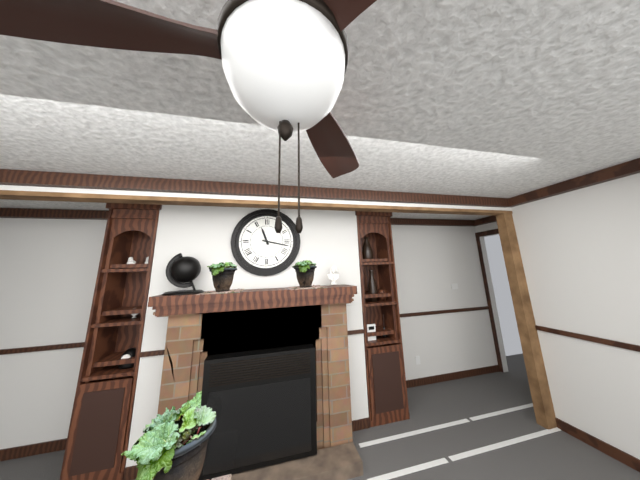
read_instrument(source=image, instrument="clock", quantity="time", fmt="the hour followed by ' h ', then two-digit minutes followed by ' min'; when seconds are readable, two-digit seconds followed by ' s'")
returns 11 h 17 min
